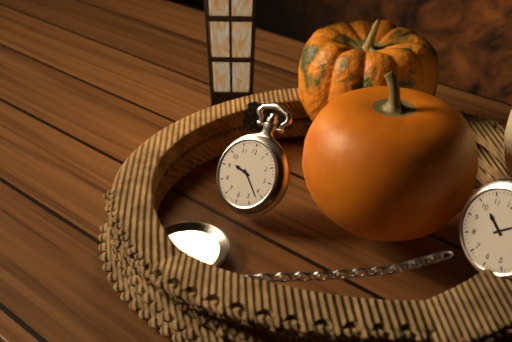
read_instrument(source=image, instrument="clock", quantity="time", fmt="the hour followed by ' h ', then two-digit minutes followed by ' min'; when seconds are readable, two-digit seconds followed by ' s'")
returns 9 h 22 min
